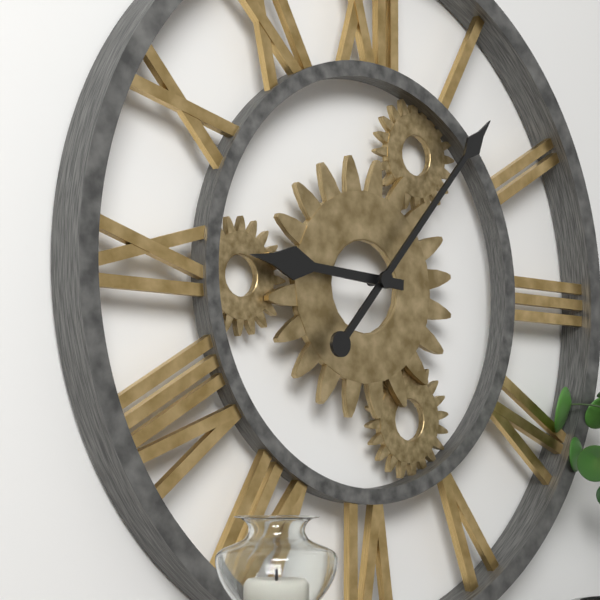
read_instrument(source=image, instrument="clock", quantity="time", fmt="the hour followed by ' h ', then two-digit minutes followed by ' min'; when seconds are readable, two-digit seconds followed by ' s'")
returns 9 h 07 min
